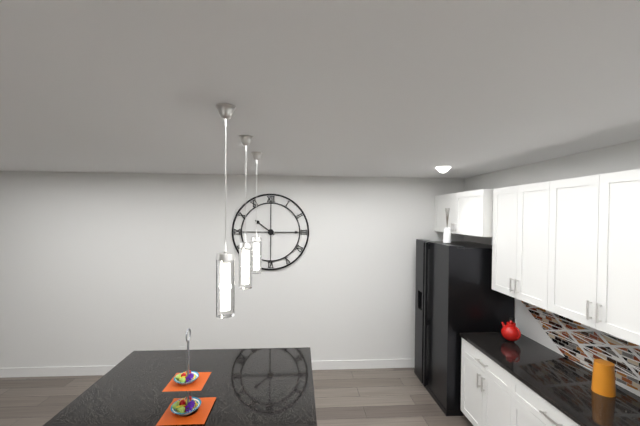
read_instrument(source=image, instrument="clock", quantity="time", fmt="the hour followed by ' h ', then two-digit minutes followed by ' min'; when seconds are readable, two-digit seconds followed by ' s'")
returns 10 h 15 min
